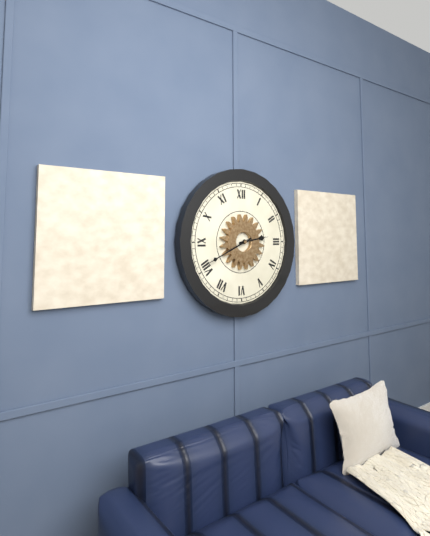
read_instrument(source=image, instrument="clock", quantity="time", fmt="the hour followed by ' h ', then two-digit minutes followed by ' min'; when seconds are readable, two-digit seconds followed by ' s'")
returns 2 h 41 min
